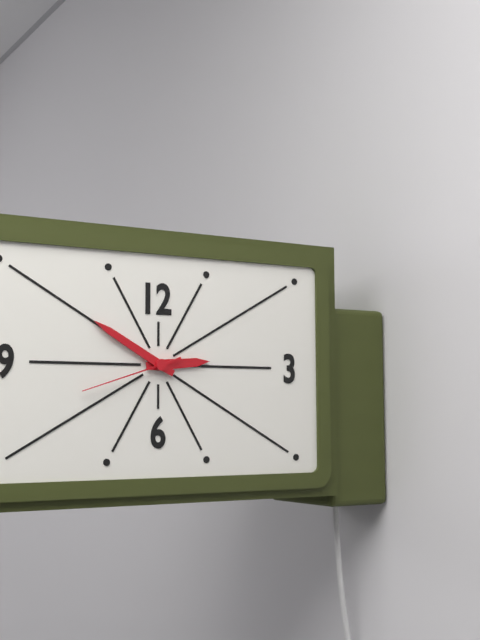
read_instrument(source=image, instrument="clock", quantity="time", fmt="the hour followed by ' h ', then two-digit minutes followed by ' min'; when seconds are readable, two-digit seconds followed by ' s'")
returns 2 h 50 min 42 s
